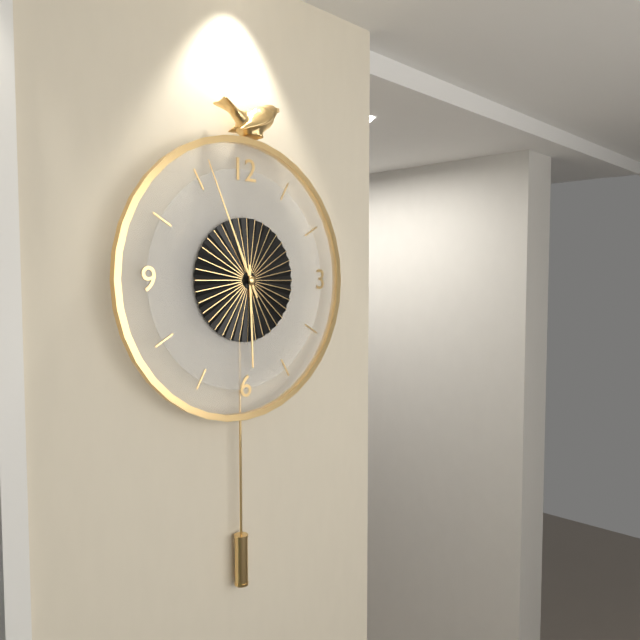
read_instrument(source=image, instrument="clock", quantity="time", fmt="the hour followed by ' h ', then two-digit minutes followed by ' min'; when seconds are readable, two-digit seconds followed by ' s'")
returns 5 h 56 min
